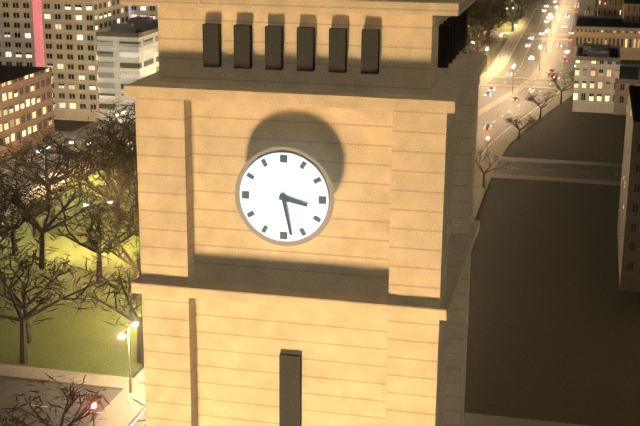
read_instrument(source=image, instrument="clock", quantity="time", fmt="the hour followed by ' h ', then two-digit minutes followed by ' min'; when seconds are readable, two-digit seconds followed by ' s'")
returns 3 h 28 min
